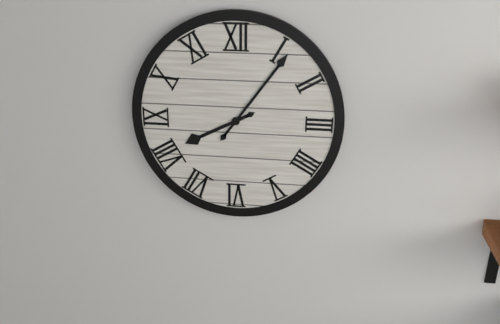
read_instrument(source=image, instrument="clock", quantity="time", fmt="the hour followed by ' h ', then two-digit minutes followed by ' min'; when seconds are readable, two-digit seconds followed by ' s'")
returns 8 h 06 min
